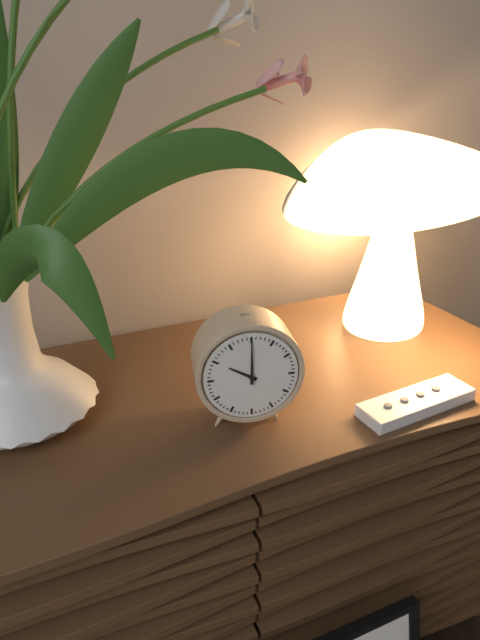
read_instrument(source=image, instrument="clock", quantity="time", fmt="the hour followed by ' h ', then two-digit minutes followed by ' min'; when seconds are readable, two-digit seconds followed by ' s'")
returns 10 h 00 min
